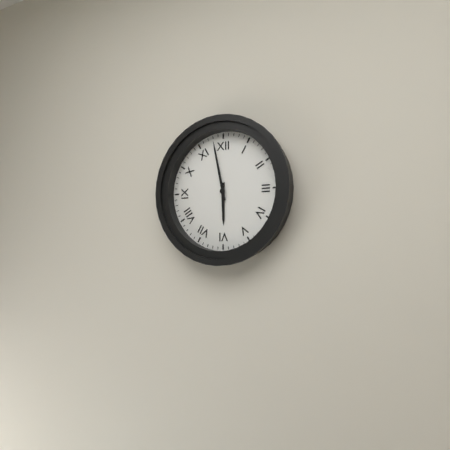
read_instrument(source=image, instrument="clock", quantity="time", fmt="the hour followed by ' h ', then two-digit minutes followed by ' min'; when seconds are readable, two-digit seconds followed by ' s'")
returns 5 h 58 min
